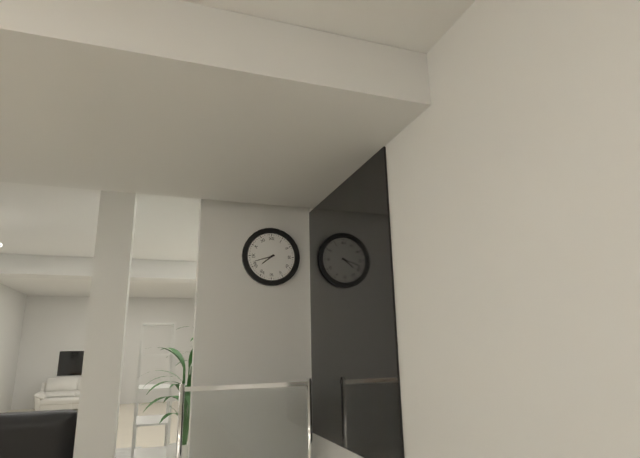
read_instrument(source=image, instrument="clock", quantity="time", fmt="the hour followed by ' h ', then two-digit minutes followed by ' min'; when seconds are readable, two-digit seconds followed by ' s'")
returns 7 h 42 min
